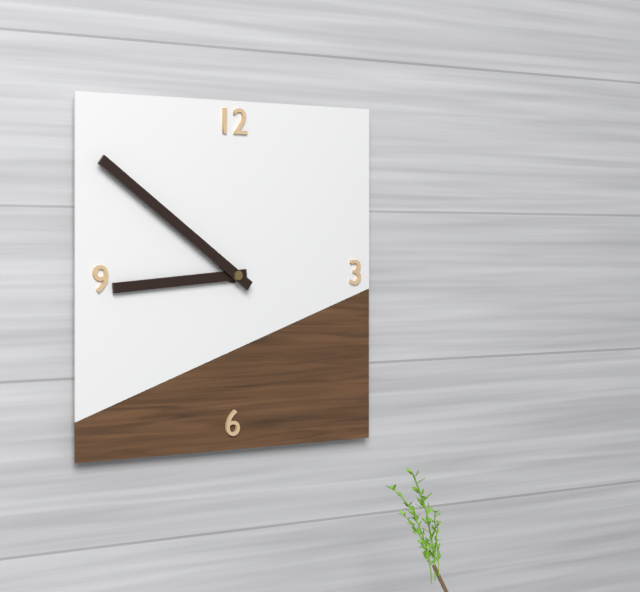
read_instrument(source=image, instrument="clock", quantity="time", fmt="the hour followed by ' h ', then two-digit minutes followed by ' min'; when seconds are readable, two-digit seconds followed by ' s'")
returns 8 h 51 min
